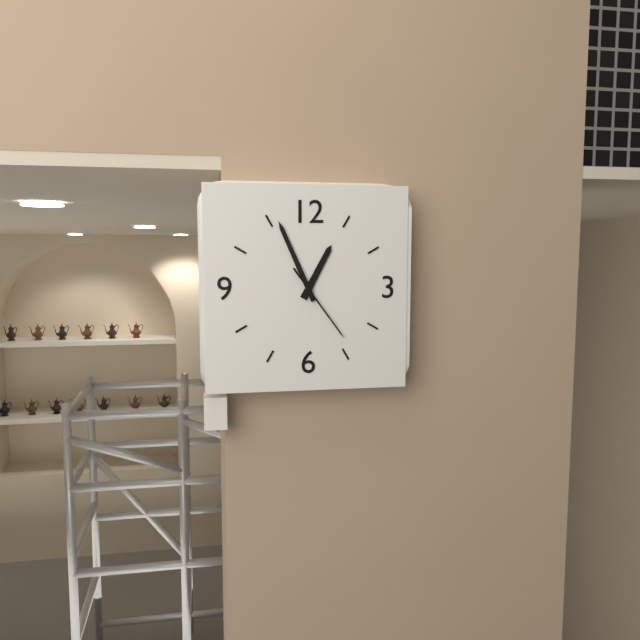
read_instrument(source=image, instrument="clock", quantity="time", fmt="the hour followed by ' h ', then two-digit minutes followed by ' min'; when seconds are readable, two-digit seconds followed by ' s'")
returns 12 h 56 min 24 s
